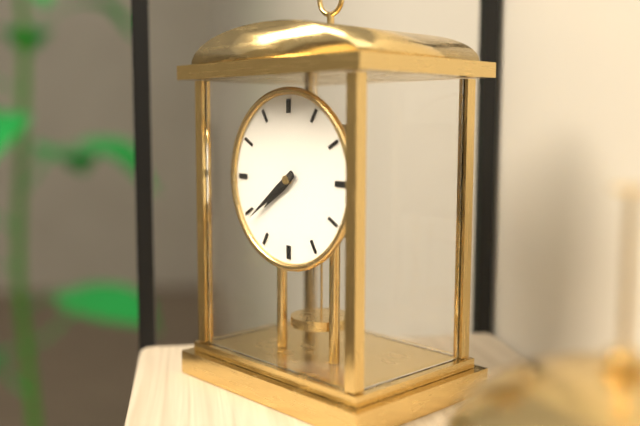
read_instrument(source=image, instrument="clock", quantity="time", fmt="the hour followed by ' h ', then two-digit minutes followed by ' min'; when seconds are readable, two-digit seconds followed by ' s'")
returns 7 h 39 min
